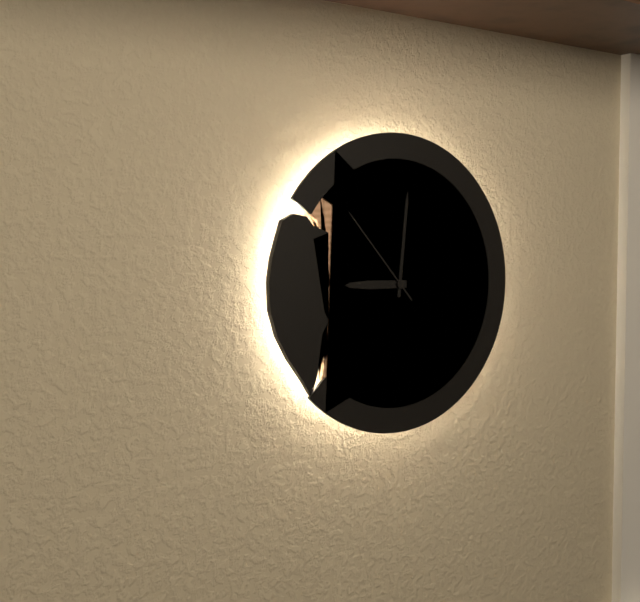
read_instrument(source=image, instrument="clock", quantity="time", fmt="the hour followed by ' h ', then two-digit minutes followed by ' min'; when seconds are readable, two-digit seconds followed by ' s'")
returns 9 h 01 min 53 s
